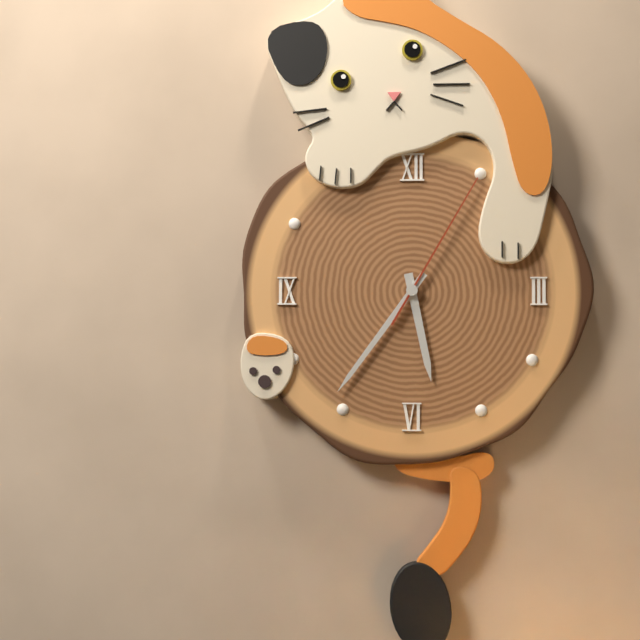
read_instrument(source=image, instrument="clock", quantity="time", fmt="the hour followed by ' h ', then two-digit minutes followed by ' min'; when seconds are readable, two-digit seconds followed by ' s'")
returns 5 h 36 min 05 s
